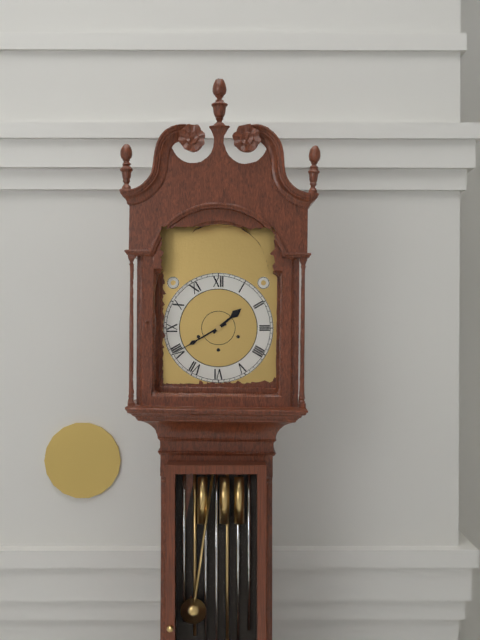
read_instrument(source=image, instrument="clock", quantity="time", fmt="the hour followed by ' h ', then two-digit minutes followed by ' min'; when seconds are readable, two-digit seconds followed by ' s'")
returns 1 h 40 min
